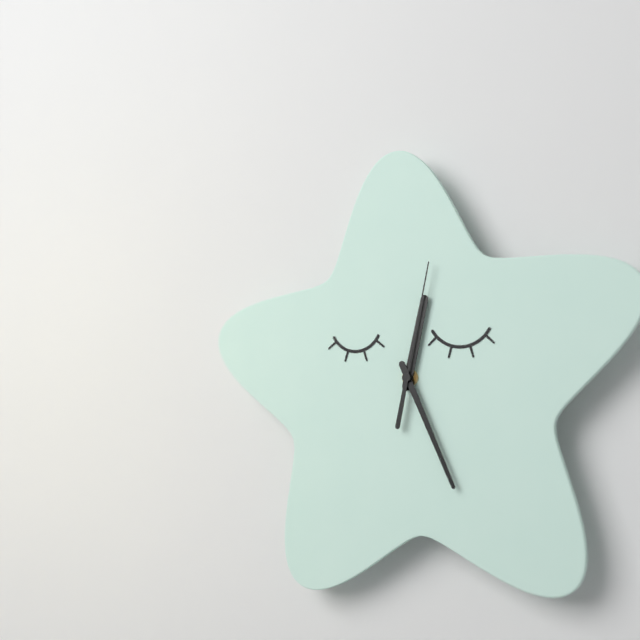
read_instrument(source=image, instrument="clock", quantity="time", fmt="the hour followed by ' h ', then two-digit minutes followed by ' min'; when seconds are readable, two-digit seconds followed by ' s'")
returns 12 h 26 min 02 s
